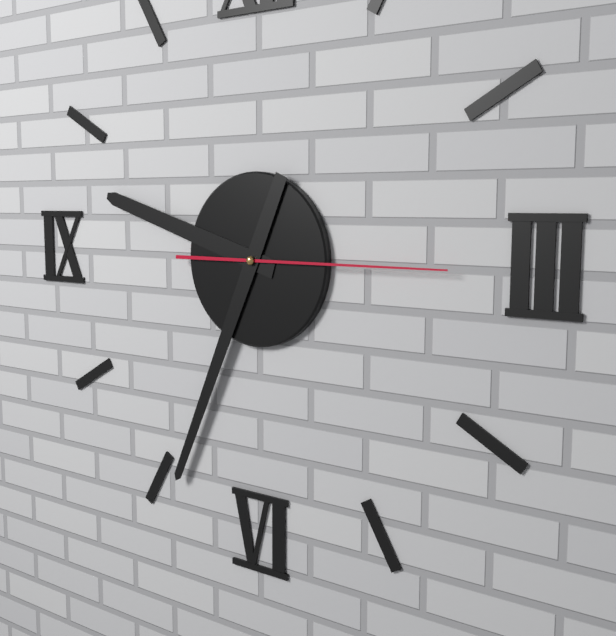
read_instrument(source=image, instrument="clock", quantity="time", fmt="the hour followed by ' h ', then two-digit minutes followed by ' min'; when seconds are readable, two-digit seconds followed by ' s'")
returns 9 h 34 min 15 s
